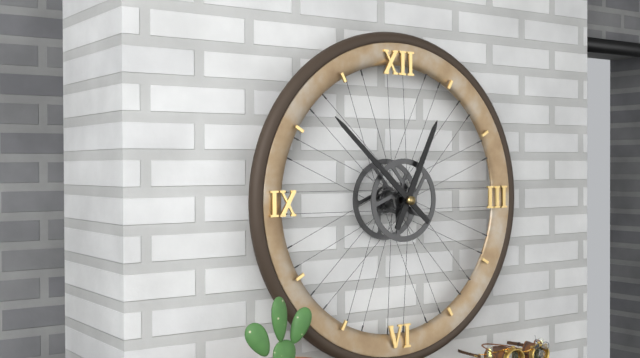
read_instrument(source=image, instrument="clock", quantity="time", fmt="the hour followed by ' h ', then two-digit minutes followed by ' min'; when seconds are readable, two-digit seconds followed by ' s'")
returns 12 h 52 min
